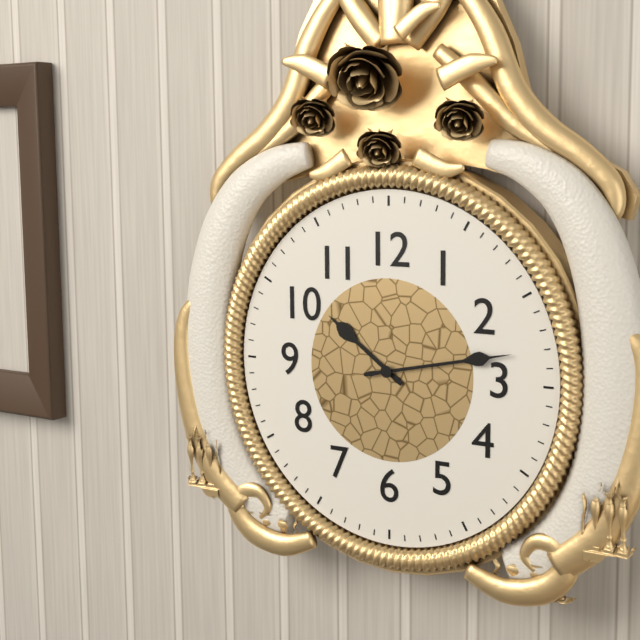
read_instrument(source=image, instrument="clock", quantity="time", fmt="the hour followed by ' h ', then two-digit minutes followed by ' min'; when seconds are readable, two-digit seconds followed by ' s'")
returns 10 h 13 min
